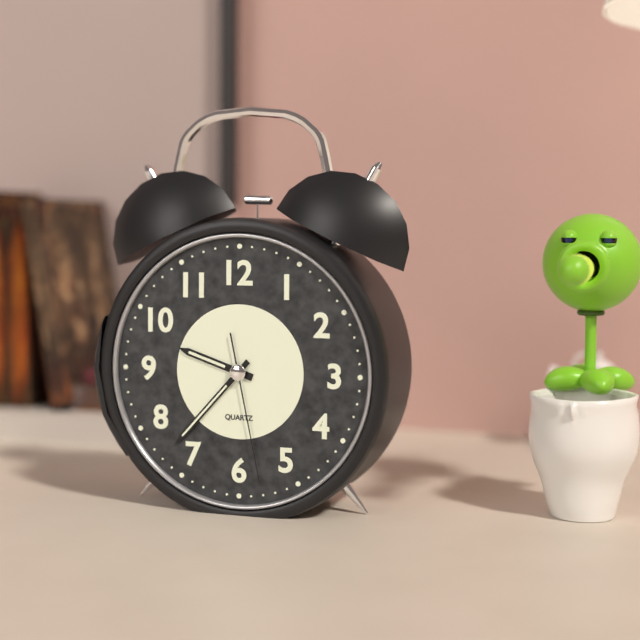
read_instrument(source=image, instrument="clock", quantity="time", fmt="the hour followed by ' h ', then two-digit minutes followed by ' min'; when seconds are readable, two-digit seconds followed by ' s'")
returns 9 h 37 min 28 s
